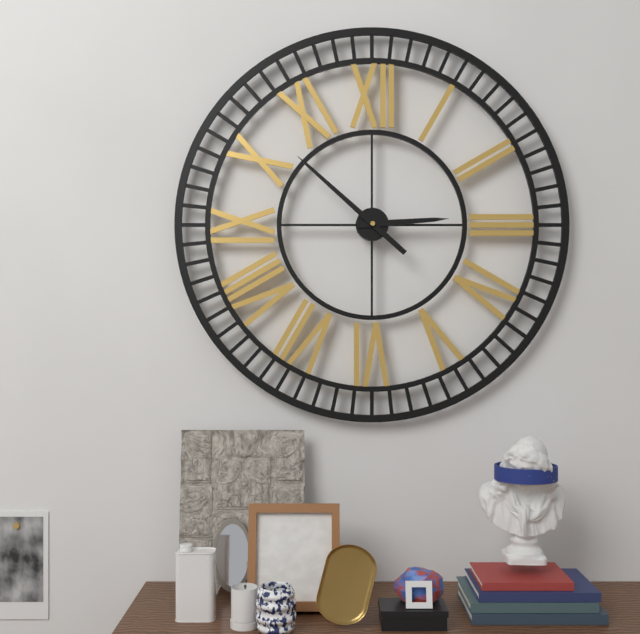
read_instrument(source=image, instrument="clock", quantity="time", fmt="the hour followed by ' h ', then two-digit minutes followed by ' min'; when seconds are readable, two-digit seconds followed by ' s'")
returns 2 h 52 min
